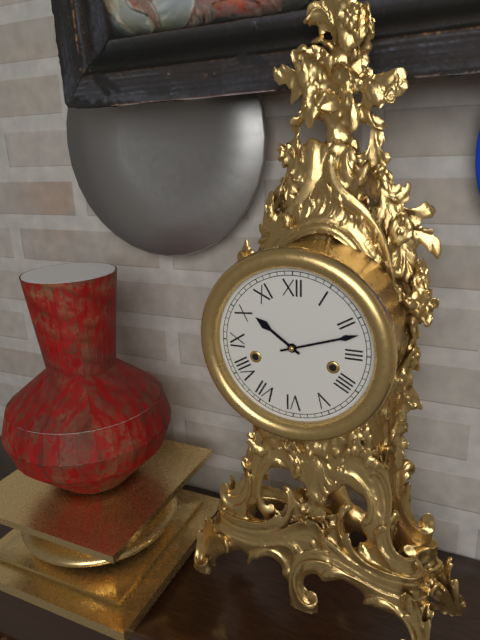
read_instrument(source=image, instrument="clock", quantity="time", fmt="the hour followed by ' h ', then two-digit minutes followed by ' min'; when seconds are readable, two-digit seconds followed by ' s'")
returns 10 h 12 min
